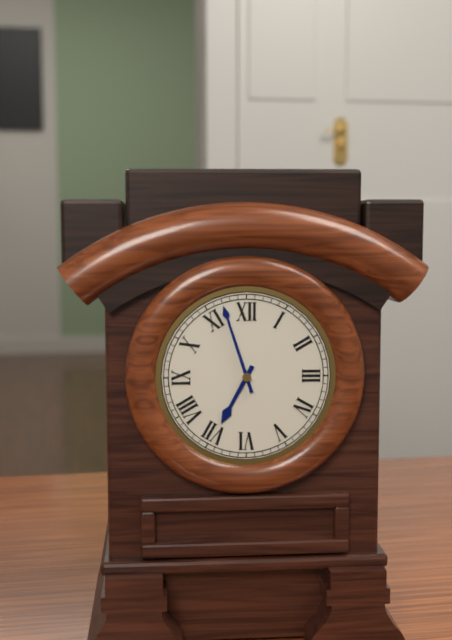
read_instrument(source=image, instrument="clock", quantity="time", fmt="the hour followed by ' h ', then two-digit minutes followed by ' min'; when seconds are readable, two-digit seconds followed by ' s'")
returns 6 h 57 min
